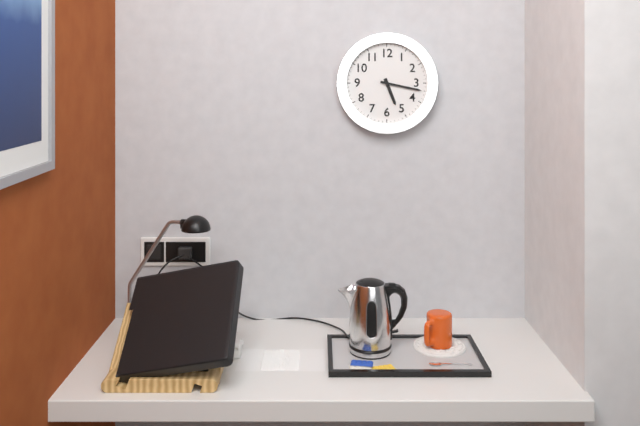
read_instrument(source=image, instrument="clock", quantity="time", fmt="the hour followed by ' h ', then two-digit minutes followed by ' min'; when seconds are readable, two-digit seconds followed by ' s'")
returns 5 h 17 min
